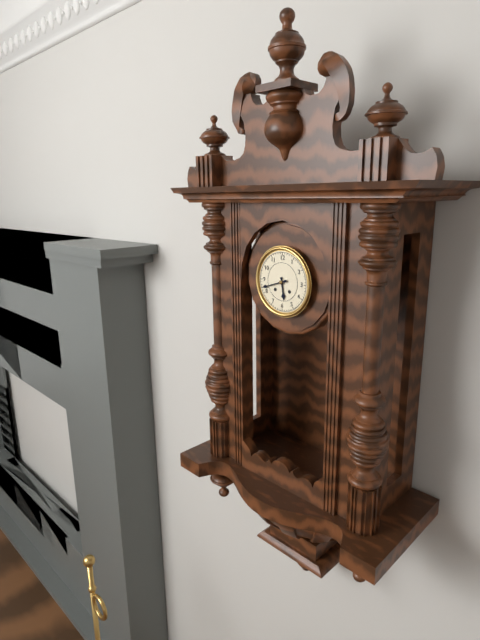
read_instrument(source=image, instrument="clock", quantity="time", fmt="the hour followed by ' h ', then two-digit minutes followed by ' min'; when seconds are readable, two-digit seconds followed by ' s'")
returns 5 h 42 min
